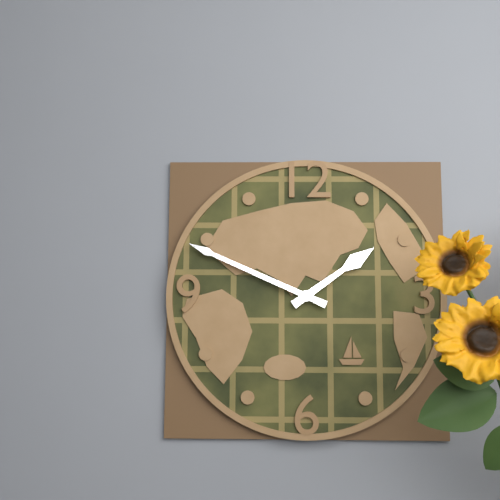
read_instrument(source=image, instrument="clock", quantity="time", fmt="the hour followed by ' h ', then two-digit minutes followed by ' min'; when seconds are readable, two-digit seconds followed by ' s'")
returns 1 h 49 min
